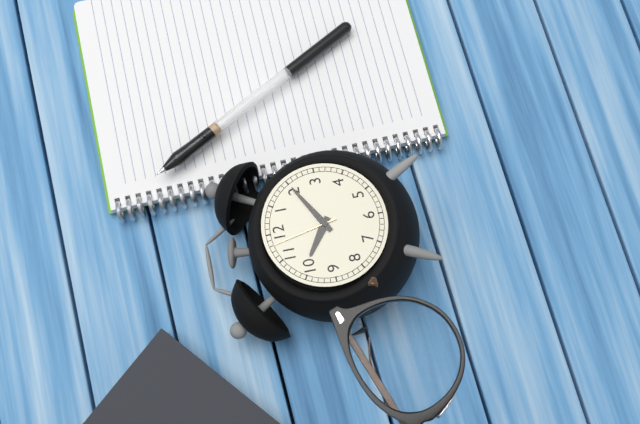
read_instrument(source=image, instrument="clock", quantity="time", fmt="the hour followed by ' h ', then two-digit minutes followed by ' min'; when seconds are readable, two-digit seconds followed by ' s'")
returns 10 h 10 min 58 s
